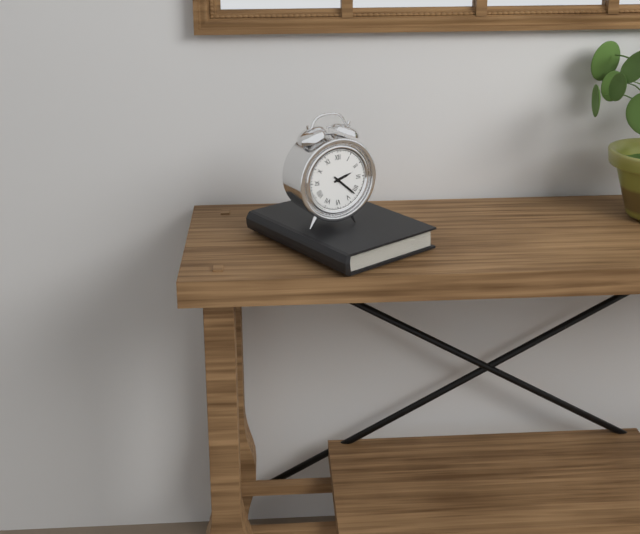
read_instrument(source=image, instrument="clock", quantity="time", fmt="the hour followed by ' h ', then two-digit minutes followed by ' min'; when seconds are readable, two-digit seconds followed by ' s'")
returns 2 h 22 min
